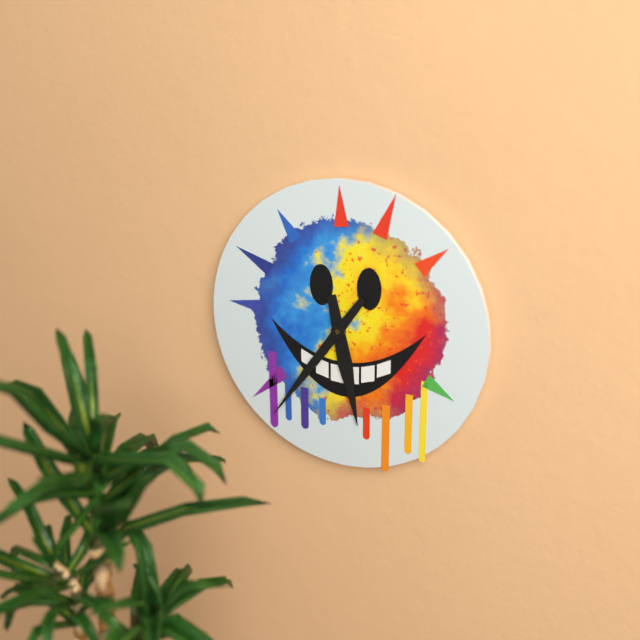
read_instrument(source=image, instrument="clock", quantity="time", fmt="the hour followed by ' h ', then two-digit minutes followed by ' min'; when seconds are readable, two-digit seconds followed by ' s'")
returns 5 h 36 min
